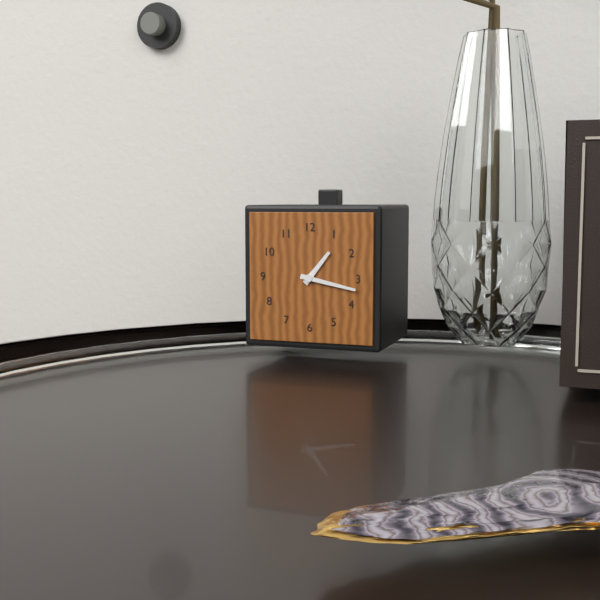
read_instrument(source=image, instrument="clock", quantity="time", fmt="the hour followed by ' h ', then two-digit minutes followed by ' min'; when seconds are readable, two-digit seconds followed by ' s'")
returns 1 h 17 min
